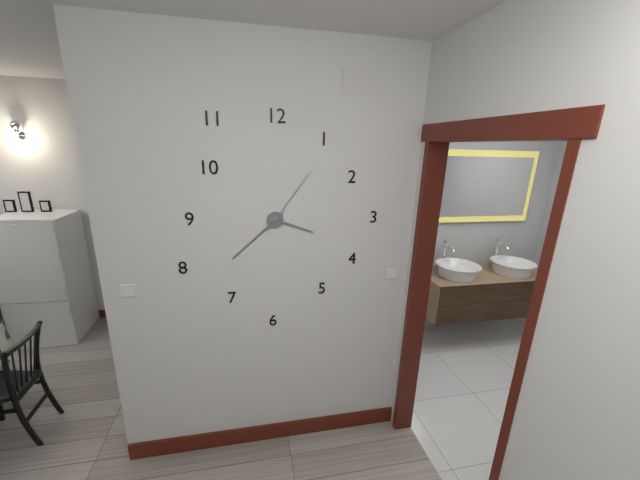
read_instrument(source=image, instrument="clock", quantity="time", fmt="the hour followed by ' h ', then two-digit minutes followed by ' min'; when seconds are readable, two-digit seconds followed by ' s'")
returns 3 h 38 min 06 s
